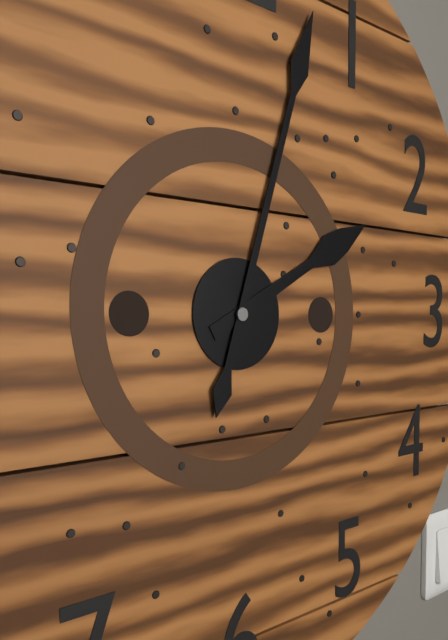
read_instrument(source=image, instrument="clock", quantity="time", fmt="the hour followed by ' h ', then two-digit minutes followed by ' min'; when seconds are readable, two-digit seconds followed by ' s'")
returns 2 h 03 min
